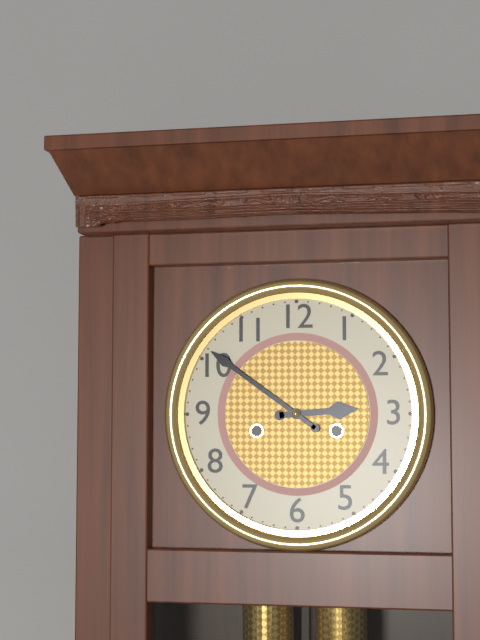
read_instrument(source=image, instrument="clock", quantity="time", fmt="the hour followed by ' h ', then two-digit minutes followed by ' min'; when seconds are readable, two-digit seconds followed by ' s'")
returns 2 h 51 min
